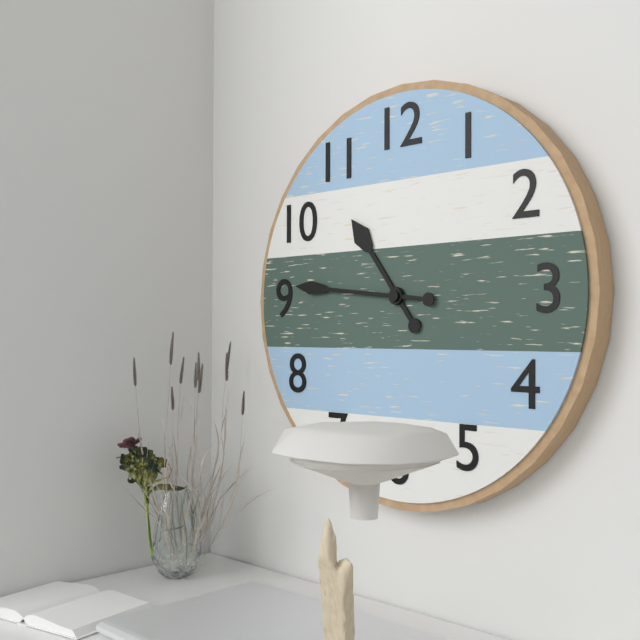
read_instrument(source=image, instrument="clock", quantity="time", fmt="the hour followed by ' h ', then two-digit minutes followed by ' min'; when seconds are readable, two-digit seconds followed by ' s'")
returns 10 h 46 min
